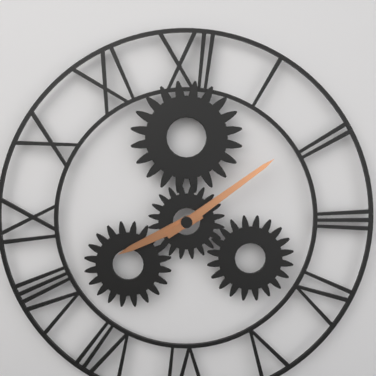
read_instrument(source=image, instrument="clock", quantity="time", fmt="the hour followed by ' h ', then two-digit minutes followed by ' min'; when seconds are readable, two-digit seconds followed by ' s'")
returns 8 h 09 min
